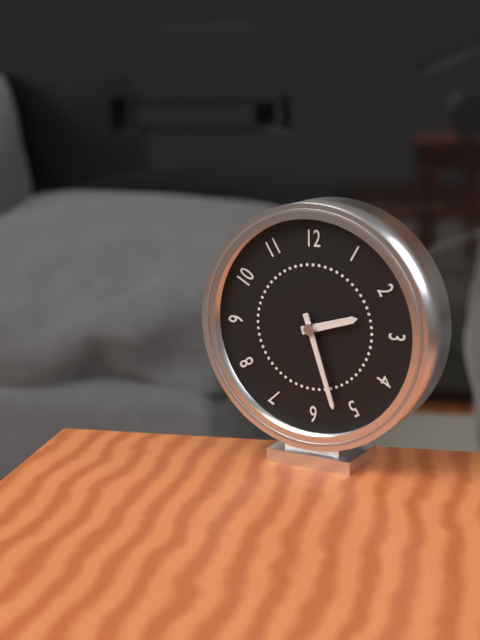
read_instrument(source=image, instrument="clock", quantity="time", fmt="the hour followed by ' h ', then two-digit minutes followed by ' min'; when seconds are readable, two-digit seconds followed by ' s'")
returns 2 h 27 min
